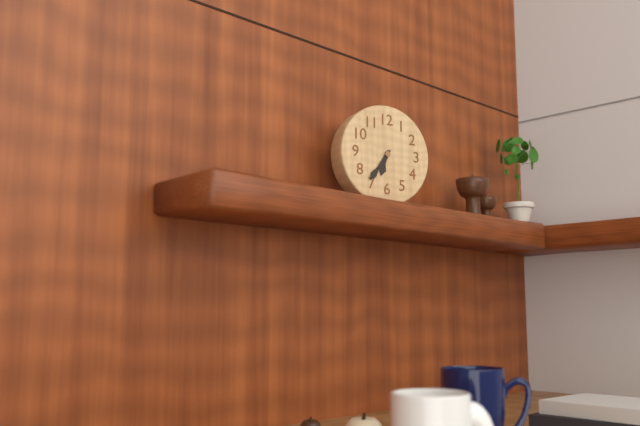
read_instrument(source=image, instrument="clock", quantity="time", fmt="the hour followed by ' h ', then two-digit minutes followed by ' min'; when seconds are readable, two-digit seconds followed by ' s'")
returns 6 h 36 min
